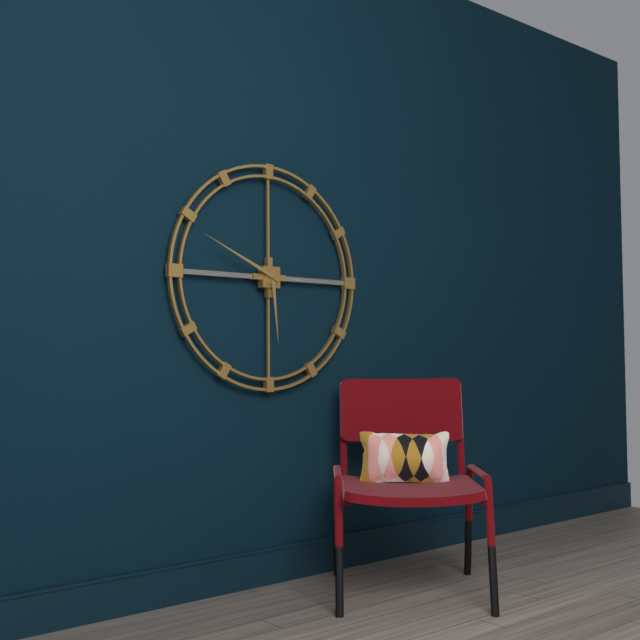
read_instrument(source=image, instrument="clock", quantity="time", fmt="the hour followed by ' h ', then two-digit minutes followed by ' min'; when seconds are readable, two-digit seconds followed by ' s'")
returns 5 h 49 min
